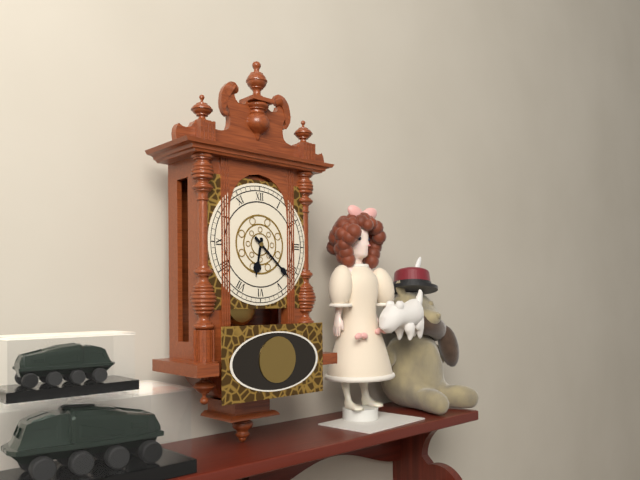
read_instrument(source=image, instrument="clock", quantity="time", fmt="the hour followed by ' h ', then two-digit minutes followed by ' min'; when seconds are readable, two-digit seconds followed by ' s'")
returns 6 h 22 min
